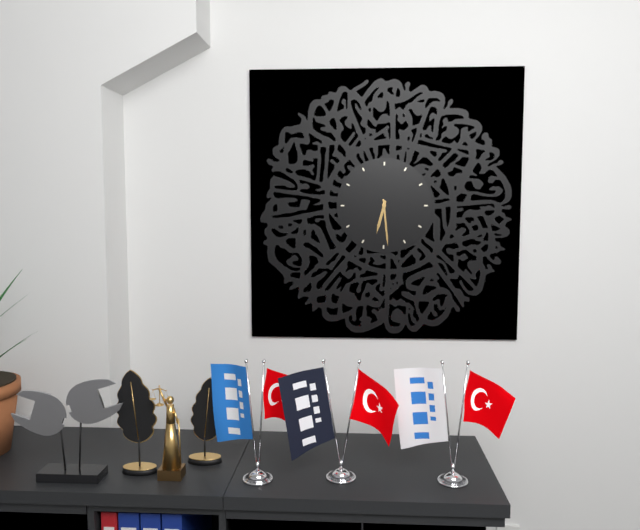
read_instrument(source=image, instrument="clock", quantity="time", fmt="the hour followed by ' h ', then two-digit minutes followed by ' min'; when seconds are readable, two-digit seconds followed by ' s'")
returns 6 h 29 min
